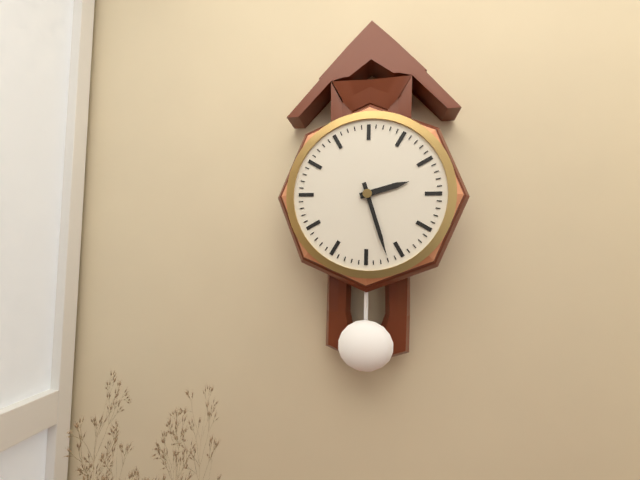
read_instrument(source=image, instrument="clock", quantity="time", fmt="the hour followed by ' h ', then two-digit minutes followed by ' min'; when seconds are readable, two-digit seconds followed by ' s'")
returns 2 h 27 min
